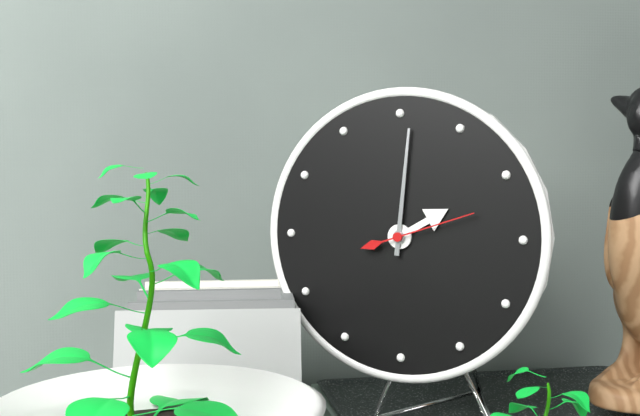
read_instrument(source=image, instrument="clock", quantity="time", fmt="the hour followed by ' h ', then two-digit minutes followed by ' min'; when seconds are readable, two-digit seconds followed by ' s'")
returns 2 h 01 min 12 s
